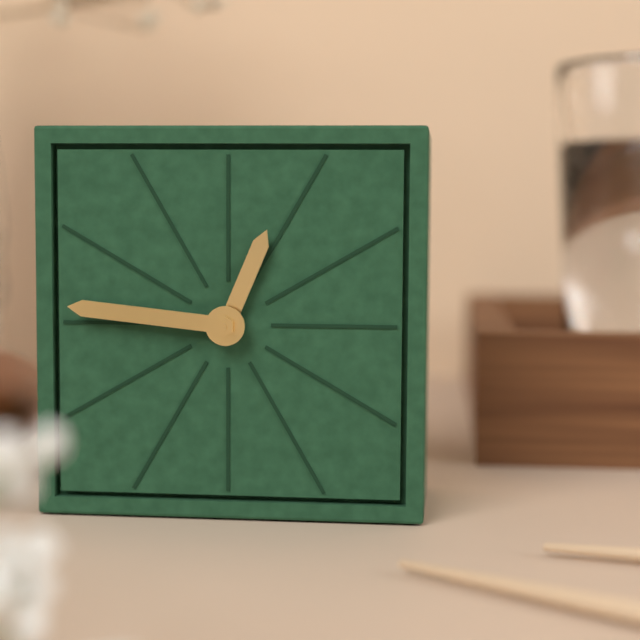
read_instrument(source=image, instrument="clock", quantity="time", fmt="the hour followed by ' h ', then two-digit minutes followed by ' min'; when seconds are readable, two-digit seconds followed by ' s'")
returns 12 h 46 min
